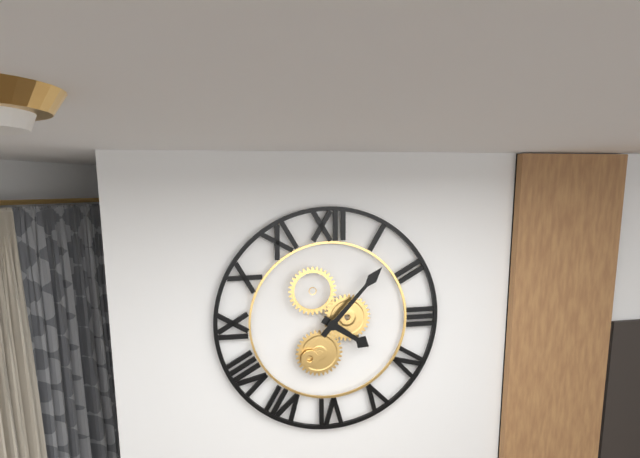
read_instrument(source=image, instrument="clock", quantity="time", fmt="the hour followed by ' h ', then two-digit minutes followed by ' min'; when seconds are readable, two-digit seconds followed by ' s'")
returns 4 h 07 min
